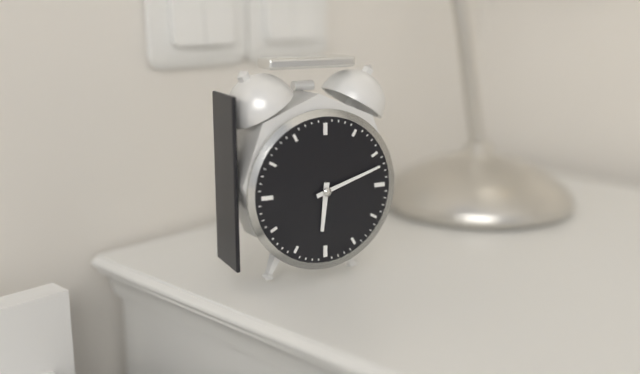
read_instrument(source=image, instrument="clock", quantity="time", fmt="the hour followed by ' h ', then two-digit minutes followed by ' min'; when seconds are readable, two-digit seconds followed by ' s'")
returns 6 h 12 min
